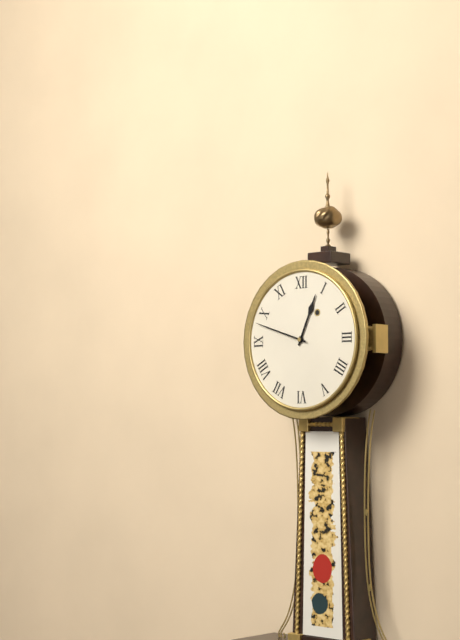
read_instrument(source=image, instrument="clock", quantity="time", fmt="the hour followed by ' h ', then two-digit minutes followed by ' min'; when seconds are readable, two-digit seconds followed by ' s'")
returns 12 h 48 min
